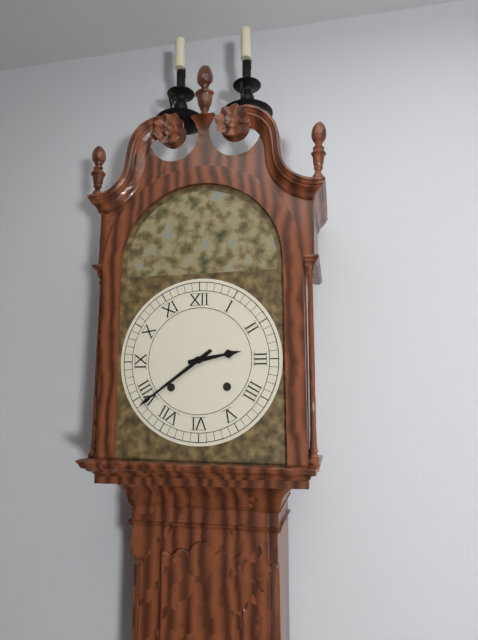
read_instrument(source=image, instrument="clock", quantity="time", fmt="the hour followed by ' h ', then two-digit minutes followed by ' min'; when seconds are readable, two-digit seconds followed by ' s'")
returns 2 h 39 min
